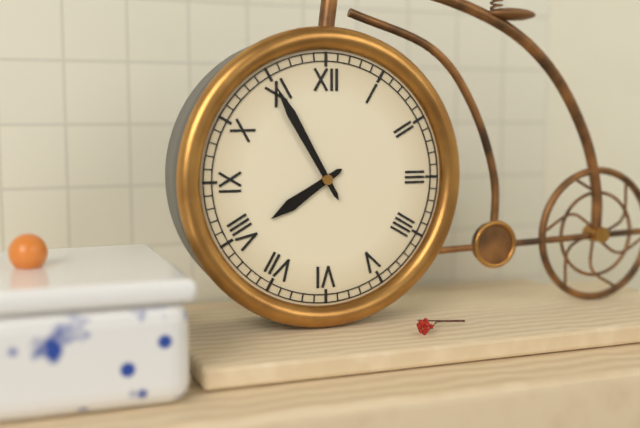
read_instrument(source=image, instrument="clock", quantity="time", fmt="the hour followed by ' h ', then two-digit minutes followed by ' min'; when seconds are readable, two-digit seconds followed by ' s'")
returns 7 h 55 min
